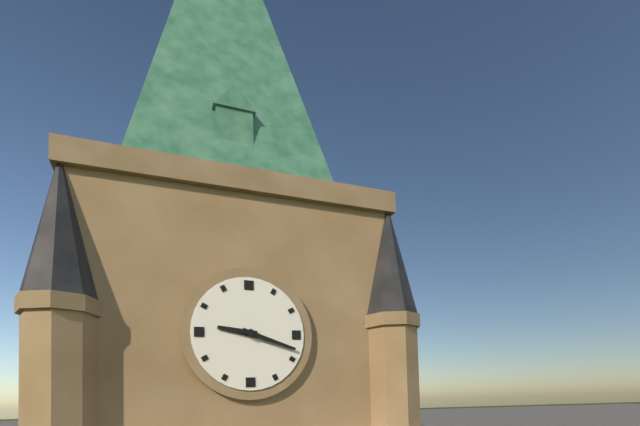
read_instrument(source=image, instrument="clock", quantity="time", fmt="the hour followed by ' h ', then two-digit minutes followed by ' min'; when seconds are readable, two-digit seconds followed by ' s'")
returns 9 h 18 min
